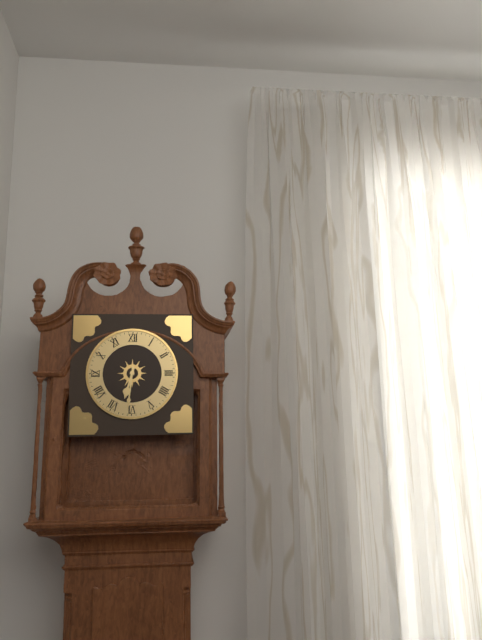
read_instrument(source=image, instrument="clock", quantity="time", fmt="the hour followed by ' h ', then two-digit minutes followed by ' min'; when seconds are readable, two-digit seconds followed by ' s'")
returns 6 h 31 min
